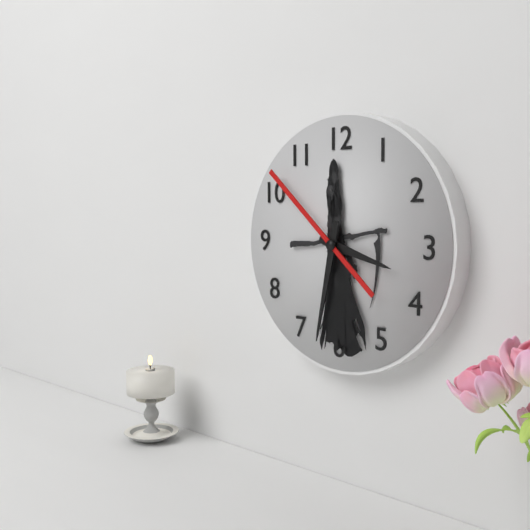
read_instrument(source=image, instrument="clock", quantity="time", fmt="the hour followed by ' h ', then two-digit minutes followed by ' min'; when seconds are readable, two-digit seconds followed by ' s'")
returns 3 h 32 min 52 s
